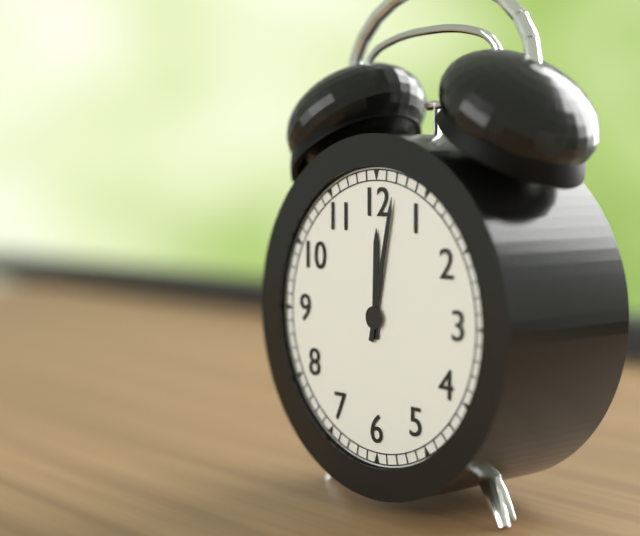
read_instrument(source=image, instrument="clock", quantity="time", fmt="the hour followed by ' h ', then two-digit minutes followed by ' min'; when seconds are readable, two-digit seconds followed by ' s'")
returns 12 h 02 min
